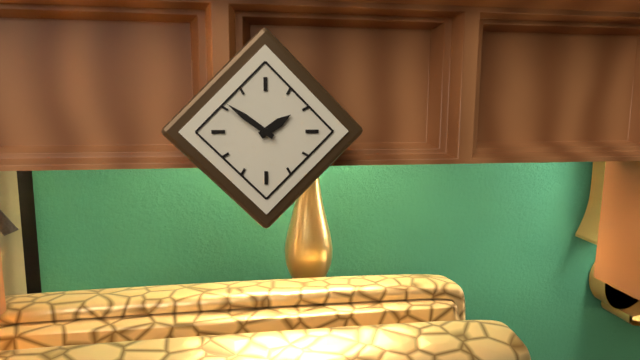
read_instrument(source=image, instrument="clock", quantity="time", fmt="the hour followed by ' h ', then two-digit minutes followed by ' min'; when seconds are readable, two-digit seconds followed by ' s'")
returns 1 h 51 min
